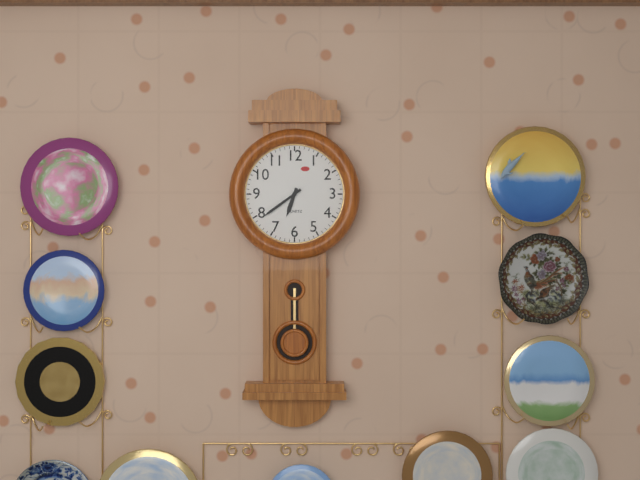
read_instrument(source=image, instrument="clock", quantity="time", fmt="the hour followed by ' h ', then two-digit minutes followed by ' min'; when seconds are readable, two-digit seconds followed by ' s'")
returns 6 h 39 min
